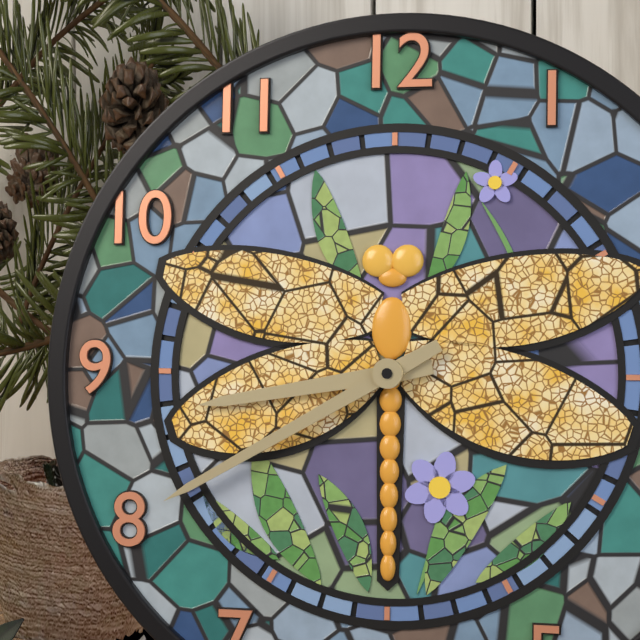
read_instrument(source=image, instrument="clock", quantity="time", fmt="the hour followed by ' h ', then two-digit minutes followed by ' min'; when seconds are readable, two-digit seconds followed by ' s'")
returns 8 h 40 min
